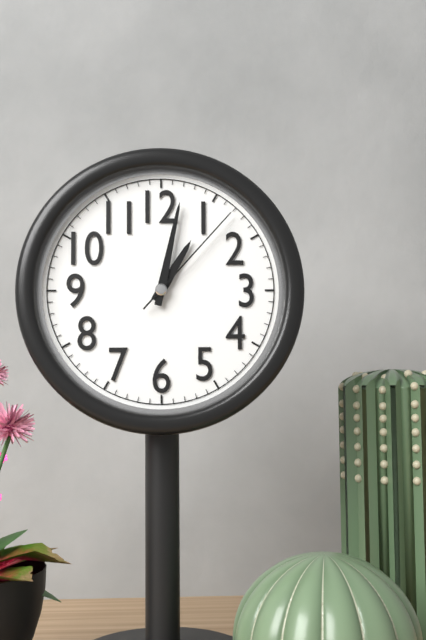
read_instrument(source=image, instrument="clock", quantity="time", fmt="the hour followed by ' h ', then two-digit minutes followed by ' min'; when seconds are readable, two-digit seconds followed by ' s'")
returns 1 h 02 min 07 s
